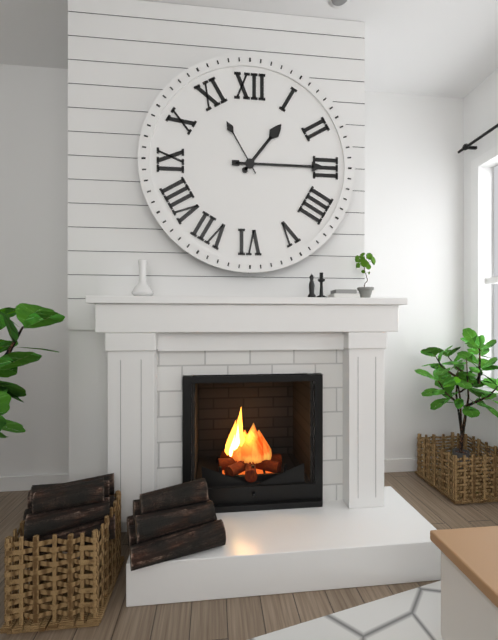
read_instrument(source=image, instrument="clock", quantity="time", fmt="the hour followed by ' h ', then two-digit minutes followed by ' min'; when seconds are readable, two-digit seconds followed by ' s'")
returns 1 h 15 min 55 s
